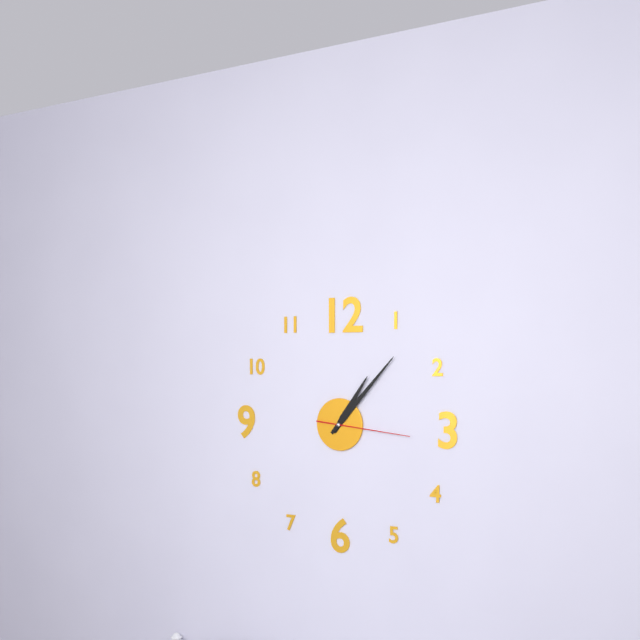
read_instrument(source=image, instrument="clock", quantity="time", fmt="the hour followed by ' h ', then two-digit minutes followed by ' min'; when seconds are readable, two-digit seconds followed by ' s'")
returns 1 h 07 min 16 s
